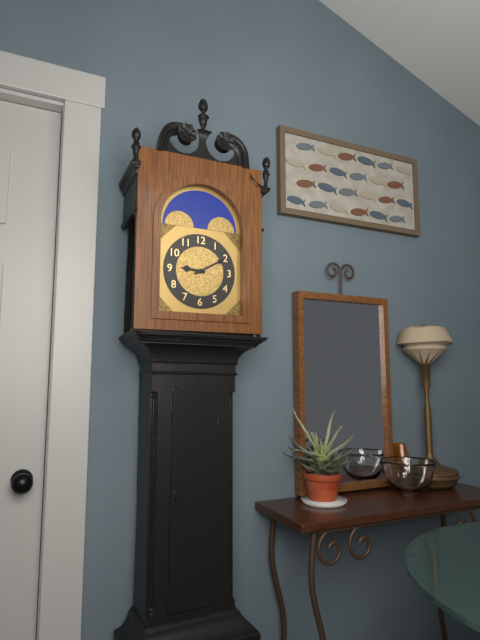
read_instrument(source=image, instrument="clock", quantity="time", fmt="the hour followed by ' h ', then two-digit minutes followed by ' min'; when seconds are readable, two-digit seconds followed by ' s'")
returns 9 h 10 min
